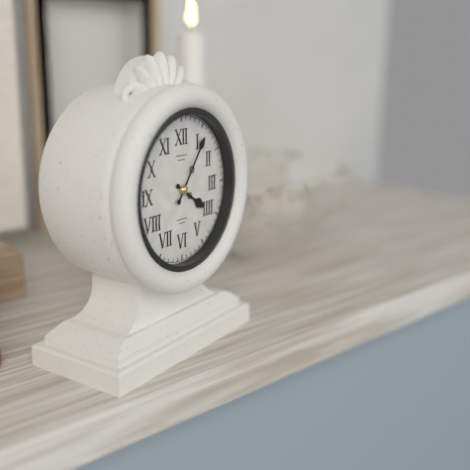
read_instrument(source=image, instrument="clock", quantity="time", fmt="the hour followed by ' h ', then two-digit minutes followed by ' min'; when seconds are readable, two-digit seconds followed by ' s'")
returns 4 h 06 min
